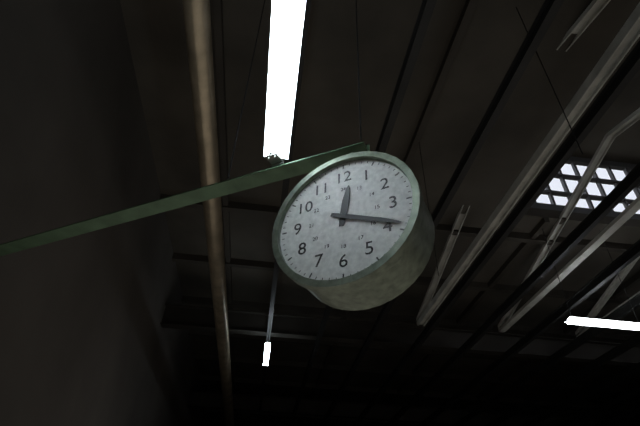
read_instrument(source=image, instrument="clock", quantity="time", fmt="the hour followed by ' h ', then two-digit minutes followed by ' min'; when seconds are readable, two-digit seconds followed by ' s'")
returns 12 h 19 min
